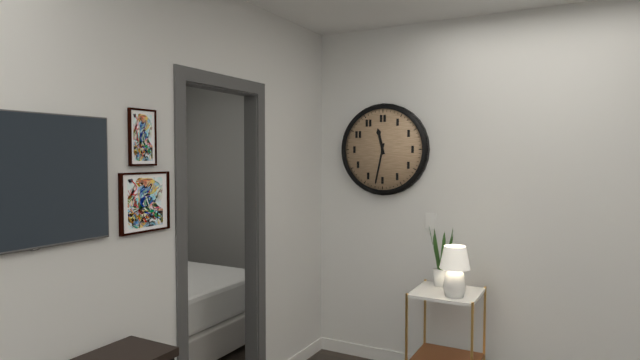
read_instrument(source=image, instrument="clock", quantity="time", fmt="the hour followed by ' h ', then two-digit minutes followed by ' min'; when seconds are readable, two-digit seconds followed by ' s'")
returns 11 h 32 min
